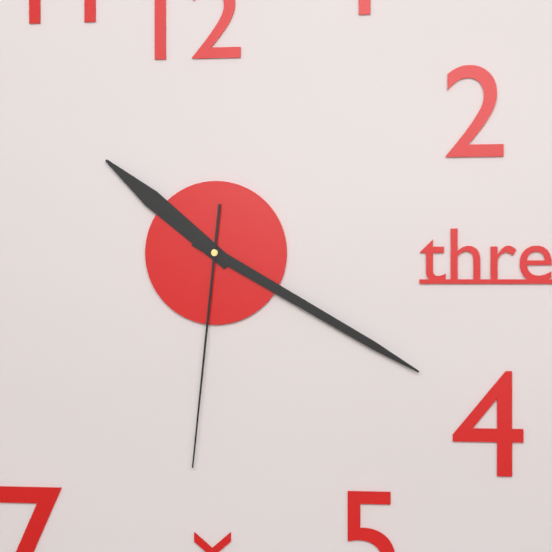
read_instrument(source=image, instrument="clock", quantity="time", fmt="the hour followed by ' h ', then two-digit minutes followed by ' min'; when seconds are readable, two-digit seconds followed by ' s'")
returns 10 h 20 min 31 s
